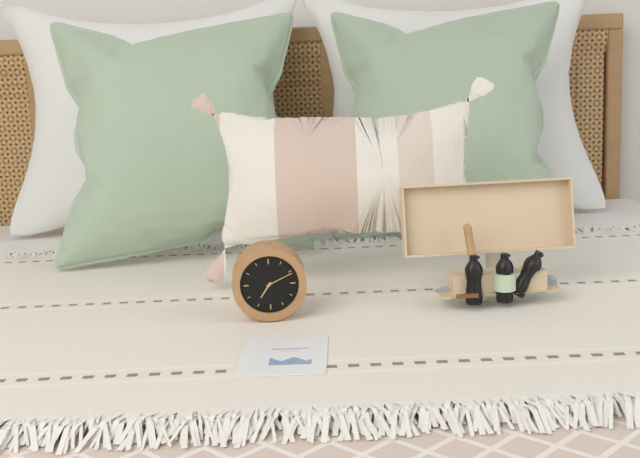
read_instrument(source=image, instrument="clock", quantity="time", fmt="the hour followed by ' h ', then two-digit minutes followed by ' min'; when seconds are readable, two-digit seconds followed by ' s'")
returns 7 h 11 min
